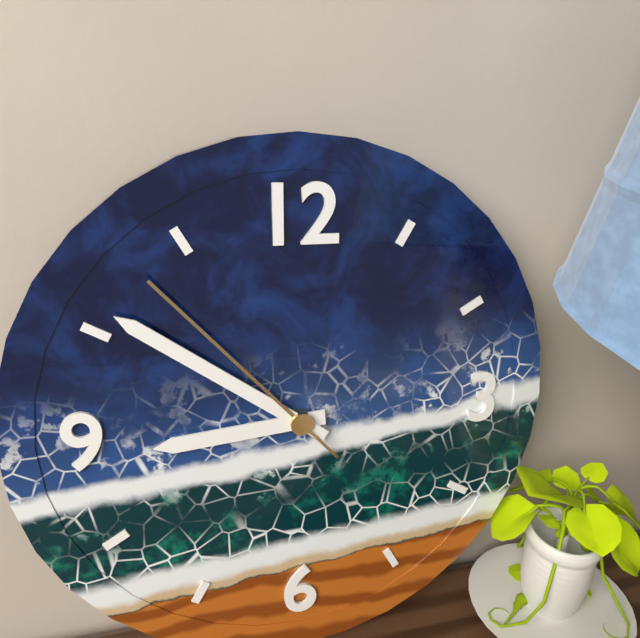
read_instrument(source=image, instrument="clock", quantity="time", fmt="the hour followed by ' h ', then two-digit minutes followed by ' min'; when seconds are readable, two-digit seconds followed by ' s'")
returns 8 h 51 min 53 s
